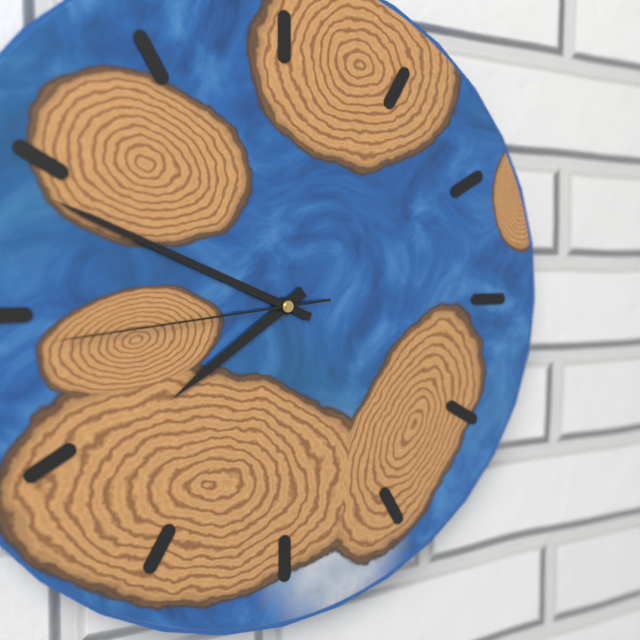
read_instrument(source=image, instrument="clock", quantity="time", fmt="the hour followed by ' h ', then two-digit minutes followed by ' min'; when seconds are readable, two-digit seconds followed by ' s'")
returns 7 h 49 min 44 s
